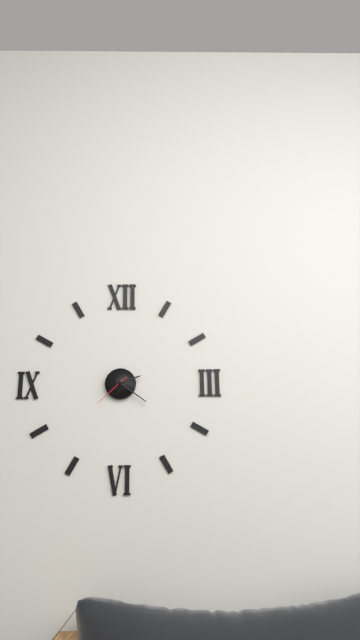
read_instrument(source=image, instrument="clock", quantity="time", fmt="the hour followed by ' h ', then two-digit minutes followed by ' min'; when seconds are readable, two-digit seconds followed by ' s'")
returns 2 h 21 min
